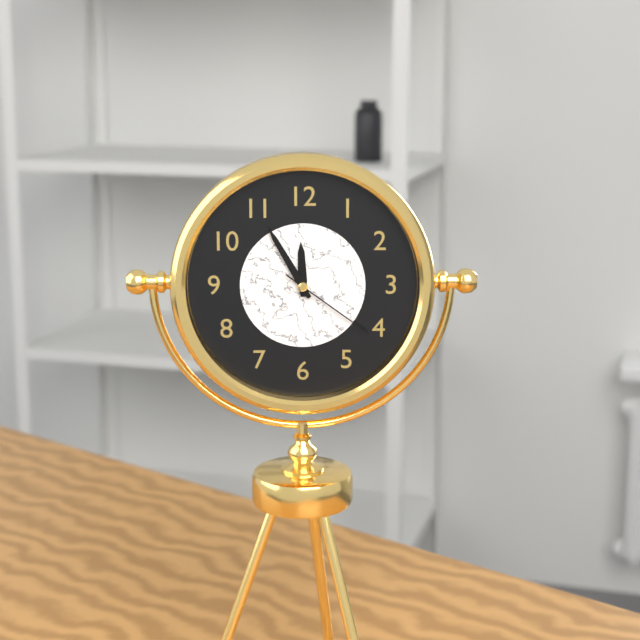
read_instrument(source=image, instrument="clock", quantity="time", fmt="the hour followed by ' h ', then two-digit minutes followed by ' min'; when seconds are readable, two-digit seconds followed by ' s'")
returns 11 h 55 min 21 s
